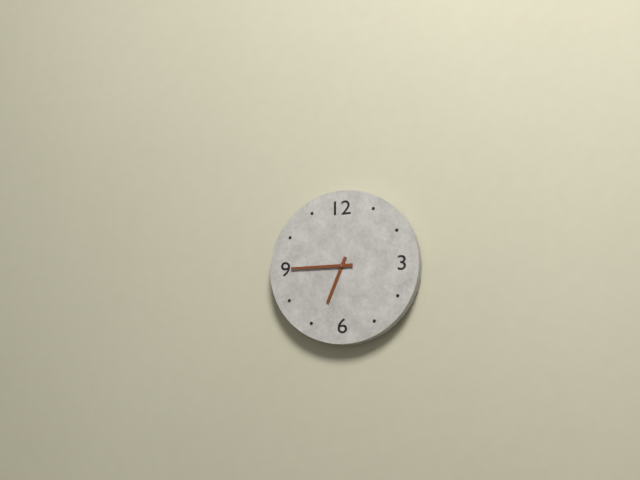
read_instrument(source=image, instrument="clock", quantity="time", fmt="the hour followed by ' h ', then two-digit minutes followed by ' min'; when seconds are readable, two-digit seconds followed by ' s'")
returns 6 h 45 min
